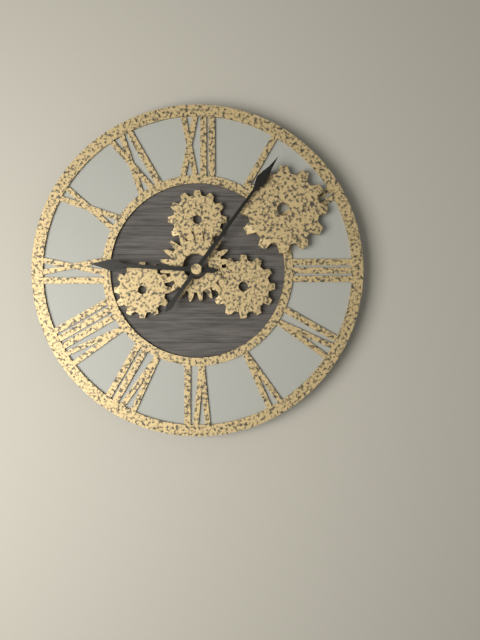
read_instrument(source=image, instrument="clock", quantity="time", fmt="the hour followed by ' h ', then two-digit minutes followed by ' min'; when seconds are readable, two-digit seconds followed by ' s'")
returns 9 h 06 min
